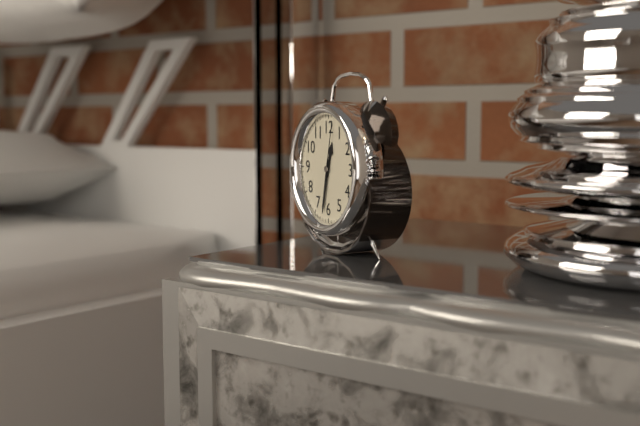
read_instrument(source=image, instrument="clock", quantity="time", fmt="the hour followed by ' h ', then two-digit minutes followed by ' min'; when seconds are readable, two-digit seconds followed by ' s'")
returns 12 h 32 min 02 s
